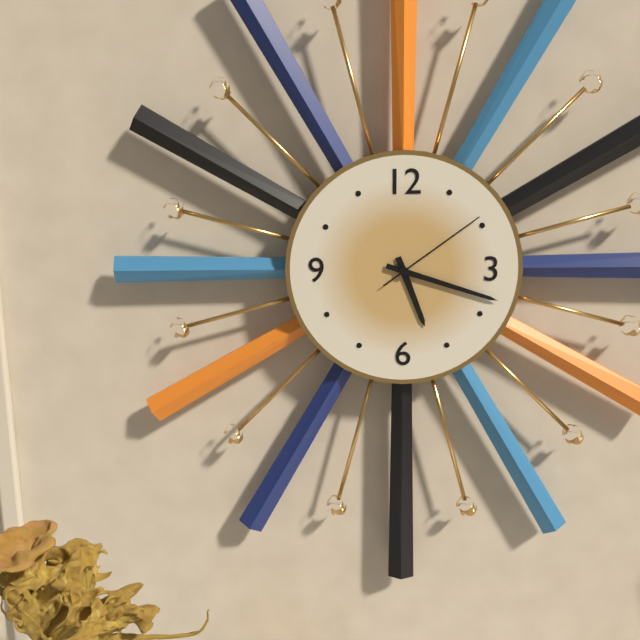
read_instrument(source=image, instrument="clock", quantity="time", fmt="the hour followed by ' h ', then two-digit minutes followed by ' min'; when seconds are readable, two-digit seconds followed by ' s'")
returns 5 h 18 min 09 s
